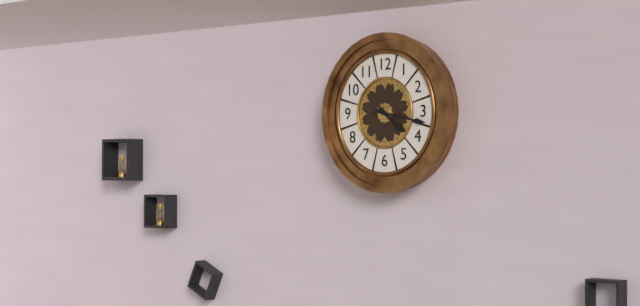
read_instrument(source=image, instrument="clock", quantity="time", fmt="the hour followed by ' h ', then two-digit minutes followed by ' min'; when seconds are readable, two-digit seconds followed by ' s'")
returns 4 h 17 min
